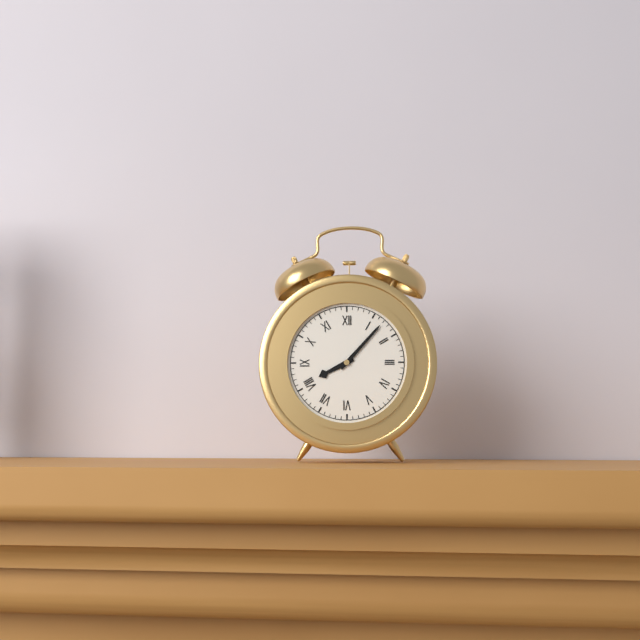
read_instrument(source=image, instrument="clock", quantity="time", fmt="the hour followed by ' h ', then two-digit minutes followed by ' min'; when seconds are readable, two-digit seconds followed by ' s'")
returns 8 h 07 min
